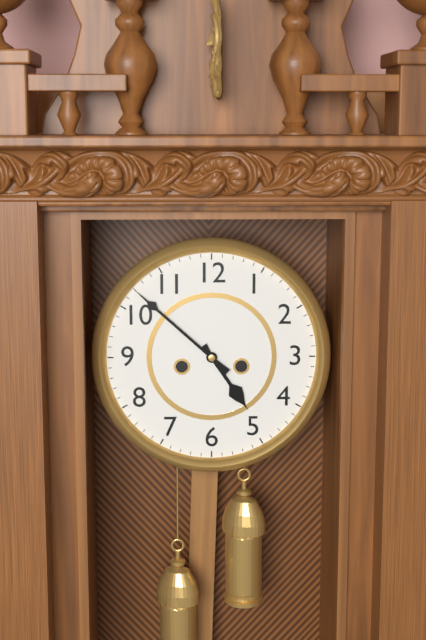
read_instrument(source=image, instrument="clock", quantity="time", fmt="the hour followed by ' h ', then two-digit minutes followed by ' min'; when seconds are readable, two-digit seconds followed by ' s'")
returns 4 h 52 min
